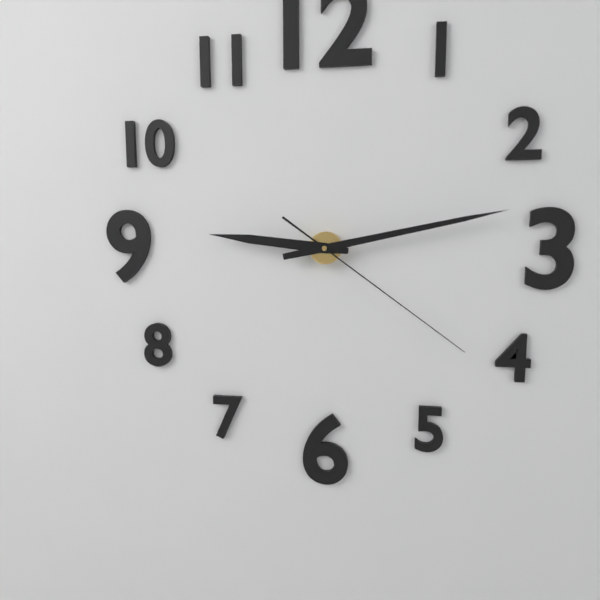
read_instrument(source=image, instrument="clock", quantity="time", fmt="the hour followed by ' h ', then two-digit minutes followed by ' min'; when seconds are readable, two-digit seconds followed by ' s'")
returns 9 h 13 min 21 s
